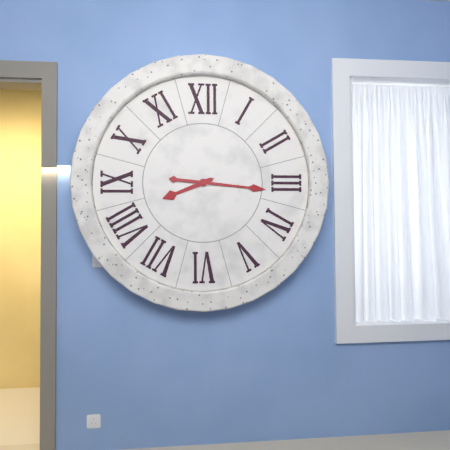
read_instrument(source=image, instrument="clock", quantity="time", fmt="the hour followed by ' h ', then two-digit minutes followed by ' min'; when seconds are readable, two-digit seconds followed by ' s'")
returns 8 h 16 min
